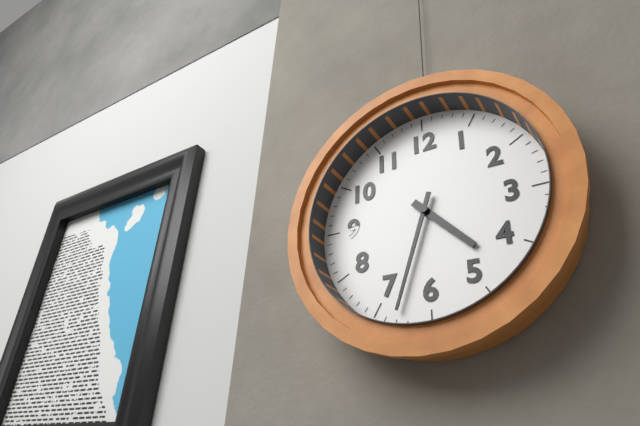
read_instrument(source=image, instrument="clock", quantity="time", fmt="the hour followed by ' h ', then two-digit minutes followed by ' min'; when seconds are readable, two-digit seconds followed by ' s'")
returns 4 h 33 min
